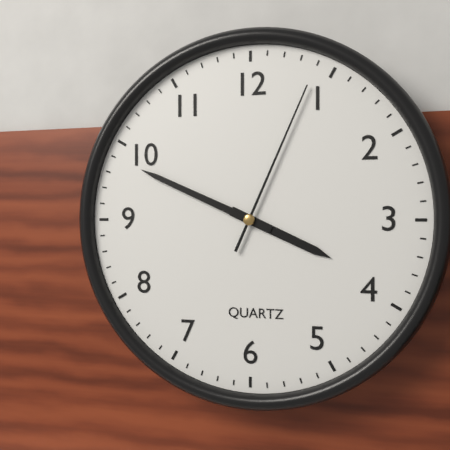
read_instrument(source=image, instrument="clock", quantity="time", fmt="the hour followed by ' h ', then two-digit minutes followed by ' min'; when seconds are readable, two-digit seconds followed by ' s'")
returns 3 h 49 min 04 s
